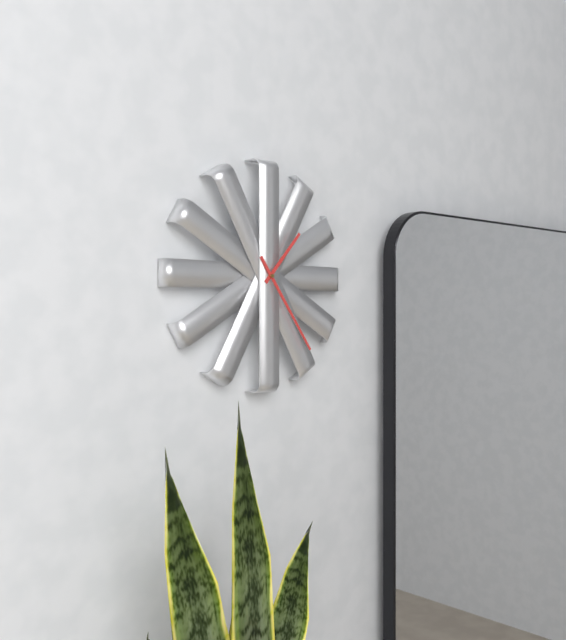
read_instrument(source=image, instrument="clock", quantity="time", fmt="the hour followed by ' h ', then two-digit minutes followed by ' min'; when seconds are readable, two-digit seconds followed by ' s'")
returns 1 h 24 min
